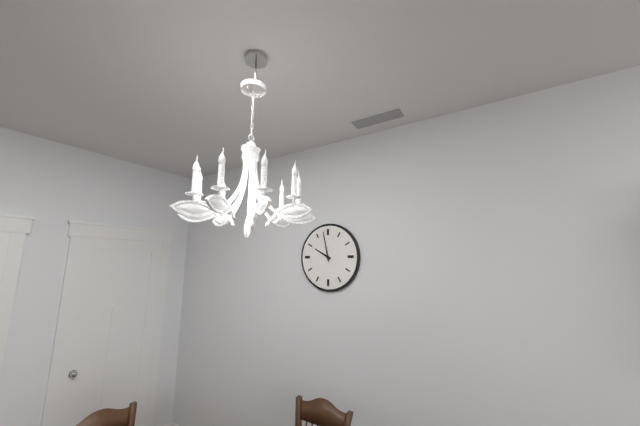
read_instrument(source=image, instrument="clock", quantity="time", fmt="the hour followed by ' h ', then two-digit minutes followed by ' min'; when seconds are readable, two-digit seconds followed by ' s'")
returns 9 h 58 min
